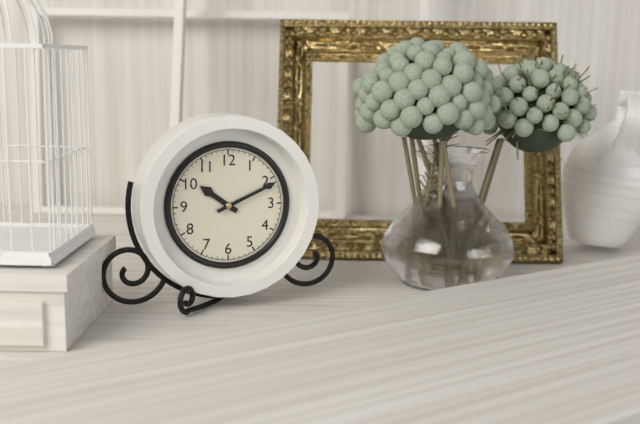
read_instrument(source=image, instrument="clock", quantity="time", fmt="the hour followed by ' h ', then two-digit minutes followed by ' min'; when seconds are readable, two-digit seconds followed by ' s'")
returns 10 h 11 min
